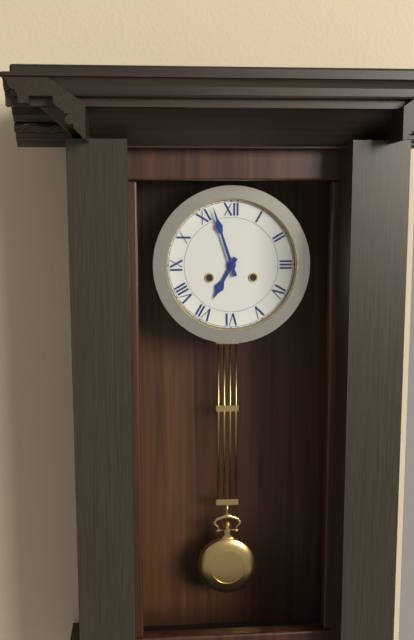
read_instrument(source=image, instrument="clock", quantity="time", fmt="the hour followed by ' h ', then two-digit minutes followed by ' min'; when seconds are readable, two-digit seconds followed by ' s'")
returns 6 h 57 min
